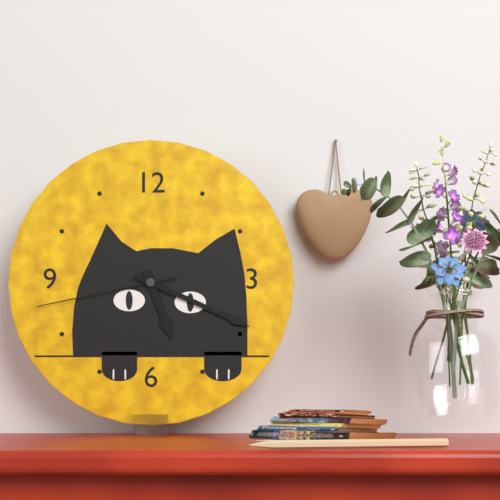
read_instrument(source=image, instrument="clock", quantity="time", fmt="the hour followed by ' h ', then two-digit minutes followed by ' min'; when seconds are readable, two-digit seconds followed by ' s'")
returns 5 h 19 min 43 s
